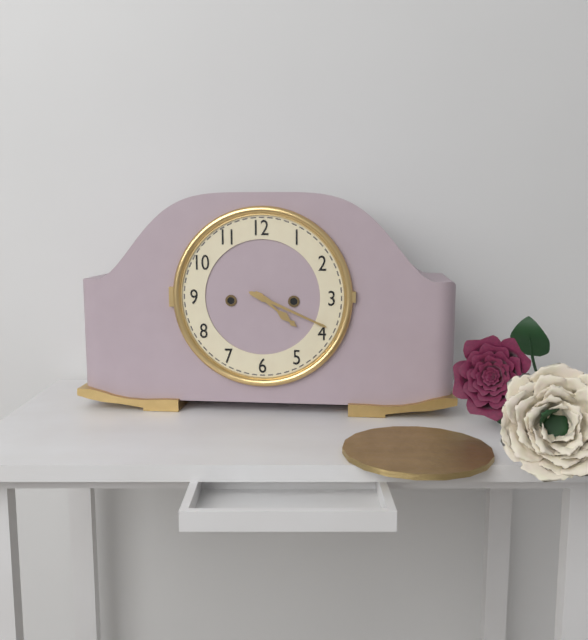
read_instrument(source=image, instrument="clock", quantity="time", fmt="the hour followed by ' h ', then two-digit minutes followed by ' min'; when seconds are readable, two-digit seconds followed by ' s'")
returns 4 h 19 min
